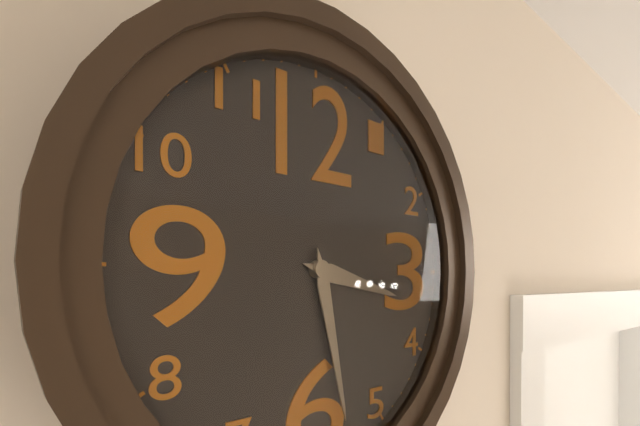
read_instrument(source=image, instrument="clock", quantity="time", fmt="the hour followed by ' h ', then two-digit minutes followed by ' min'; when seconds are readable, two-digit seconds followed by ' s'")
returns 3 h 28 min
